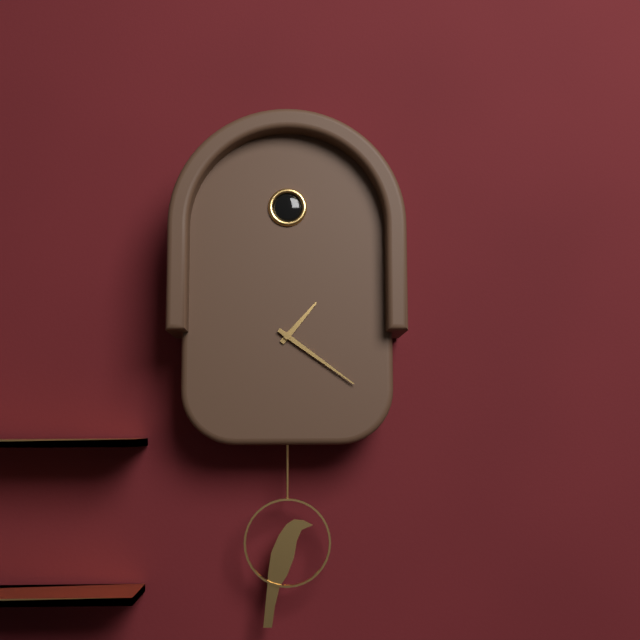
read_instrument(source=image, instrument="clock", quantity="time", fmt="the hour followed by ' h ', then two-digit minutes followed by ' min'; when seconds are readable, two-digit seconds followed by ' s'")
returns 1 h 21 min
